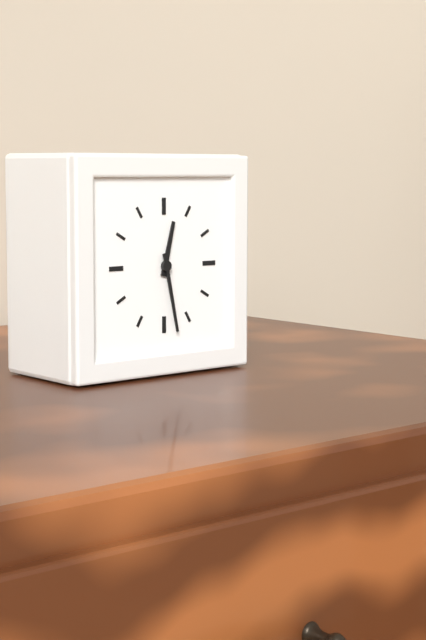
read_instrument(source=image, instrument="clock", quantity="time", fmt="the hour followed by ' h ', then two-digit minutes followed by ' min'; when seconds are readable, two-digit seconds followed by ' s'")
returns 12 h 28 min
